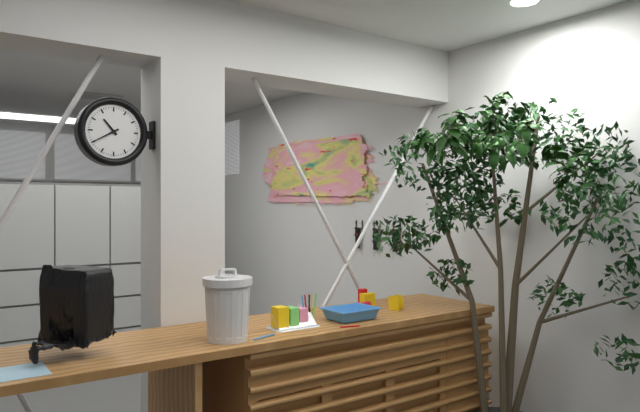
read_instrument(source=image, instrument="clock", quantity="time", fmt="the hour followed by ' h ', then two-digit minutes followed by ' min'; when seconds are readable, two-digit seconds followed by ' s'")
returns 10 h 40 min
